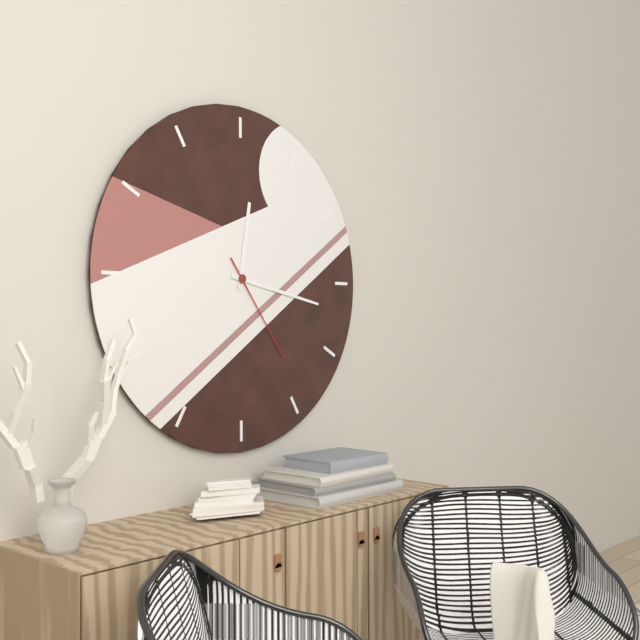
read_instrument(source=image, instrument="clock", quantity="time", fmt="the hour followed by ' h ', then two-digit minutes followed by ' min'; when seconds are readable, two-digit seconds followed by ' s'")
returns 12 h 17 min 24 s
